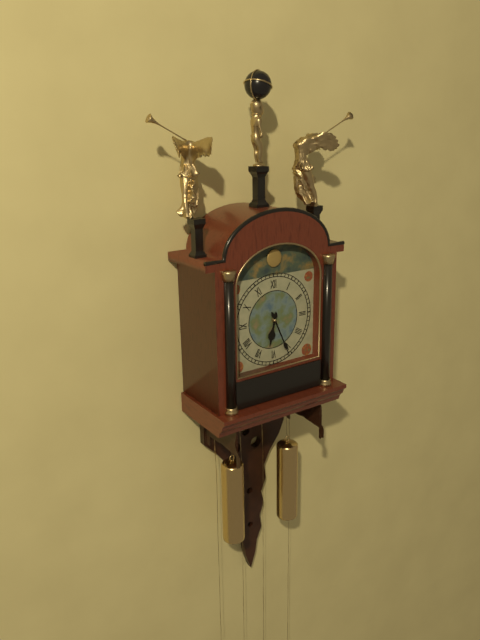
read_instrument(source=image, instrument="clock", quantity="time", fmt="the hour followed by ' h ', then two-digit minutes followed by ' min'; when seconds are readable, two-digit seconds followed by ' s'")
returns 6 h 26 min
